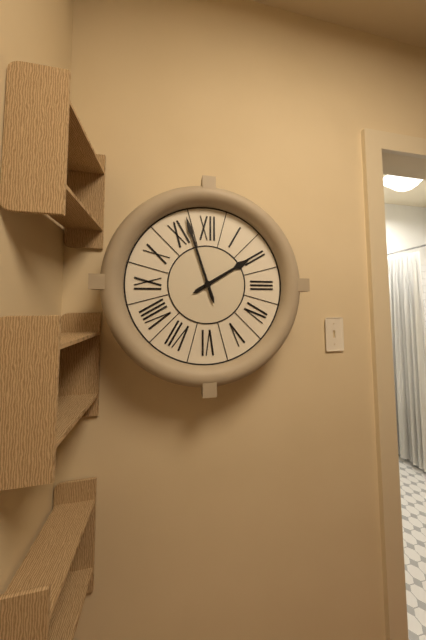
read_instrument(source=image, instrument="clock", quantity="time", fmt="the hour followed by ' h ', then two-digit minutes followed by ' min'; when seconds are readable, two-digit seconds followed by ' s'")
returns 1 h 57 min
